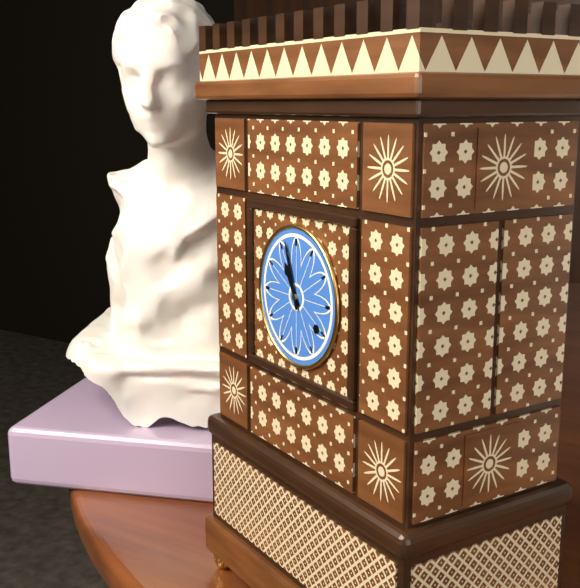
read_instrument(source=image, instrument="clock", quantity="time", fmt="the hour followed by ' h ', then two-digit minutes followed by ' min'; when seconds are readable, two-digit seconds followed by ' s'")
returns 10 h 57 min
